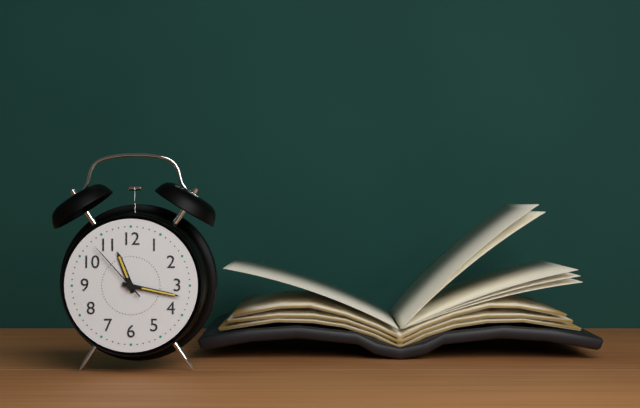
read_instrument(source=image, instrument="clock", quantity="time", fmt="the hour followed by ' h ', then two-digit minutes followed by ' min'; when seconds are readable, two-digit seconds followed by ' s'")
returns 11 h 17 min 53 s
